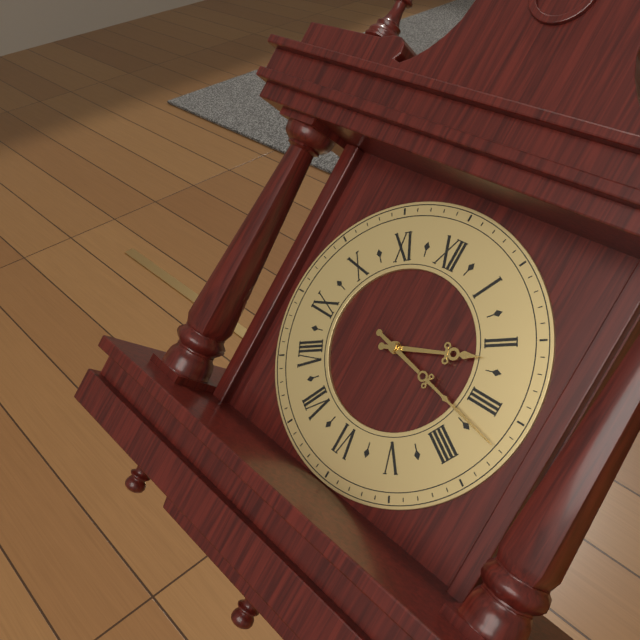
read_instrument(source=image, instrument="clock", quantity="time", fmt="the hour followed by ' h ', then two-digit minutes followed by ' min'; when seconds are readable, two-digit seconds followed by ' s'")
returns 2 h 17 min
